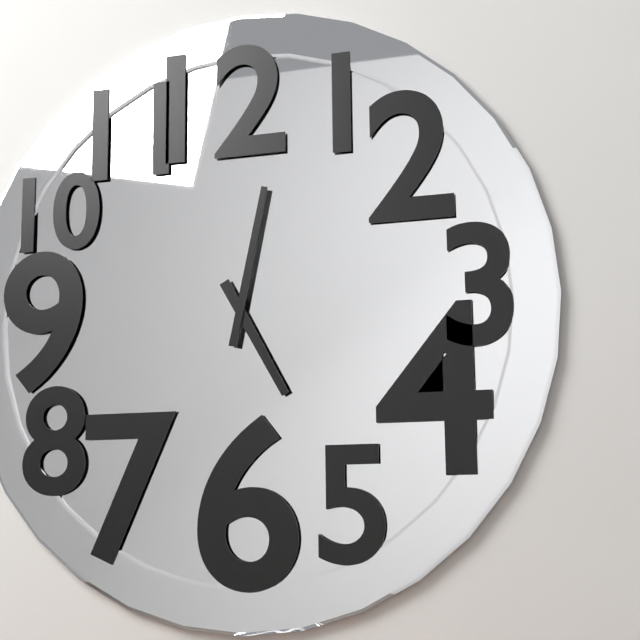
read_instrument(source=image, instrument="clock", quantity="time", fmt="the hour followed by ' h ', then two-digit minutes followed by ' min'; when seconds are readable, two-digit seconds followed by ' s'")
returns 5 h 02 min
